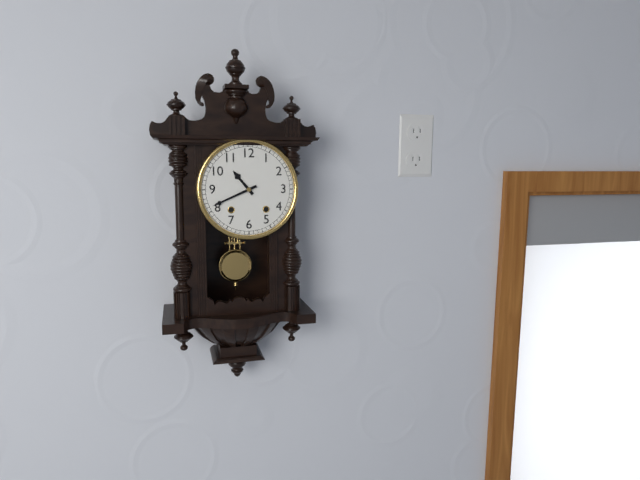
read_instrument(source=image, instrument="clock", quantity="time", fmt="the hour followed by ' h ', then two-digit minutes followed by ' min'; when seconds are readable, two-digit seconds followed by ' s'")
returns 10 h 41 min
